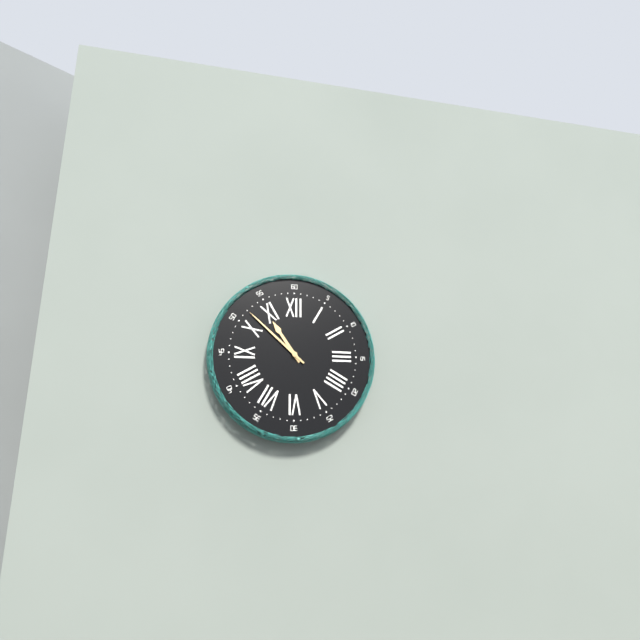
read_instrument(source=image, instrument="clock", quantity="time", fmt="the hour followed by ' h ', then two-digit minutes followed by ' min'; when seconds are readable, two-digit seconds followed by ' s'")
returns 10 h 52 min
